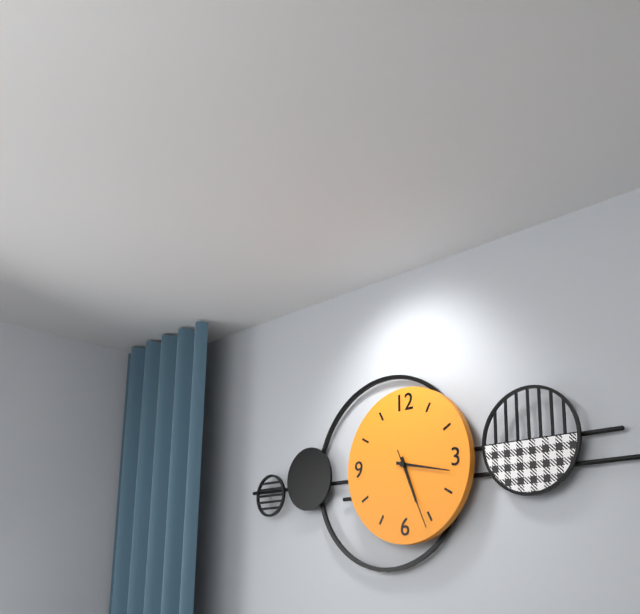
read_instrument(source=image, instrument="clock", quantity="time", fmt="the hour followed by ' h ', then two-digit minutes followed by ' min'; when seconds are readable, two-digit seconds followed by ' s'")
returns 5 h 17 min 26 s
